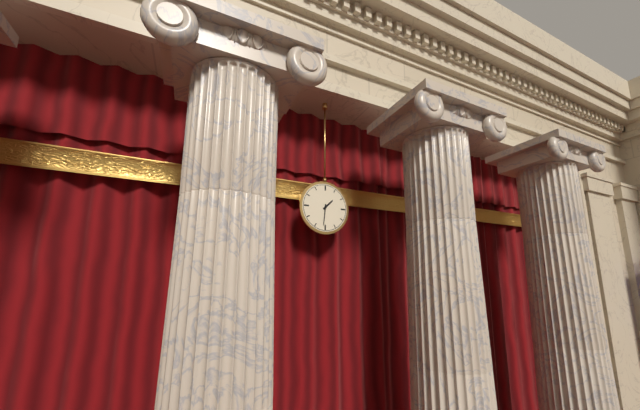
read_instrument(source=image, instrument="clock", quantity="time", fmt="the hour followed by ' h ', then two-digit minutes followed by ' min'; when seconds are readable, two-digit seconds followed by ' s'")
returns 1 h 31 min
